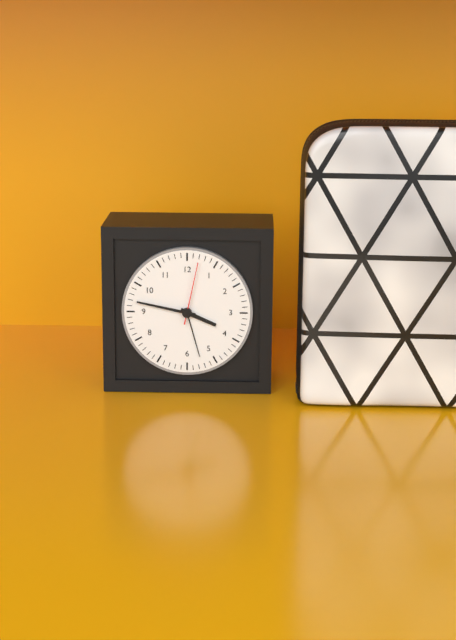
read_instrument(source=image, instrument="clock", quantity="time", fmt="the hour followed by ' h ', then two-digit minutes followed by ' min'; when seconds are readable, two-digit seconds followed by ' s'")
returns 3 h 47 min 02 s
